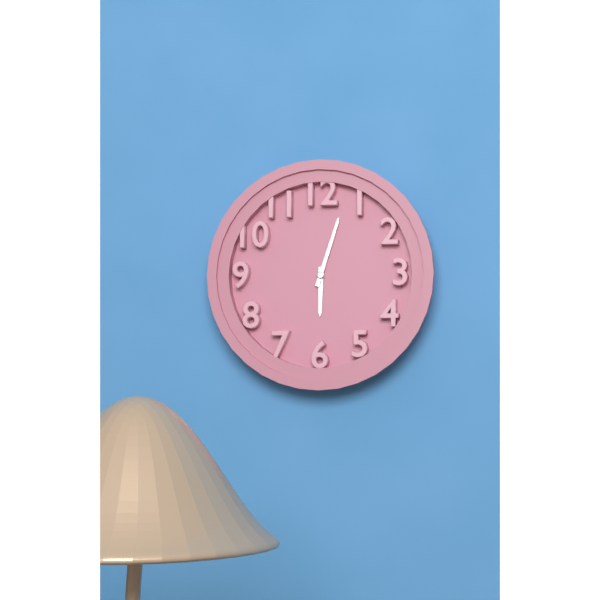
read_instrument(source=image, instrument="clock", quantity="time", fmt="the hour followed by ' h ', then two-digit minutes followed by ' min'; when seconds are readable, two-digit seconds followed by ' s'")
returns 6 h 03 min
